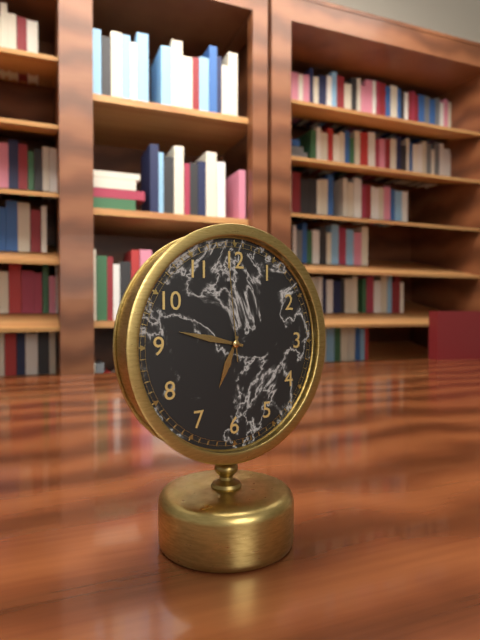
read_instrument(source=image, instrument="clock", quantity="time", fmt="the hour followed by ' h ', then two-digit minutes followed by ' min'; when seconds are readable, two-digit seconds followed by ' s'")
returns 6 h 47 min 59 s
